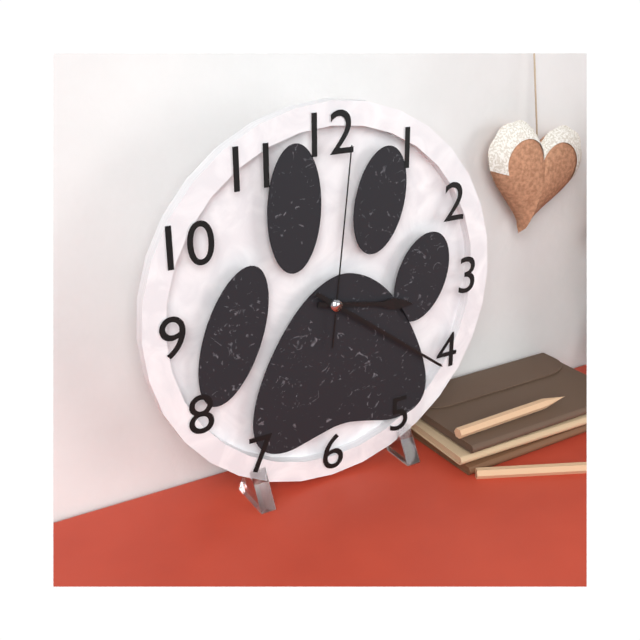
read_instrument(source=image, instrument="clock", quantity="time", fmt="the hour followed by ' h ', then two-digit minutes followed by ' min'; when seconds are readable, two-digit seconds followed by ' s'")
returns 3 h 21 min 01 s
